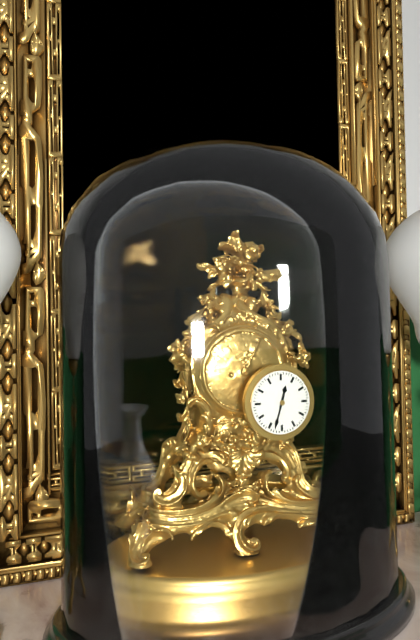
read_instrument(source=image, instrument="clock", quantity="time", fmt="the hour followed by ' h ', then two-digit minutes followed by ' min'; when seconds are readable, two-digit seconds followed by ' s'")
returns 12 h 33 min
